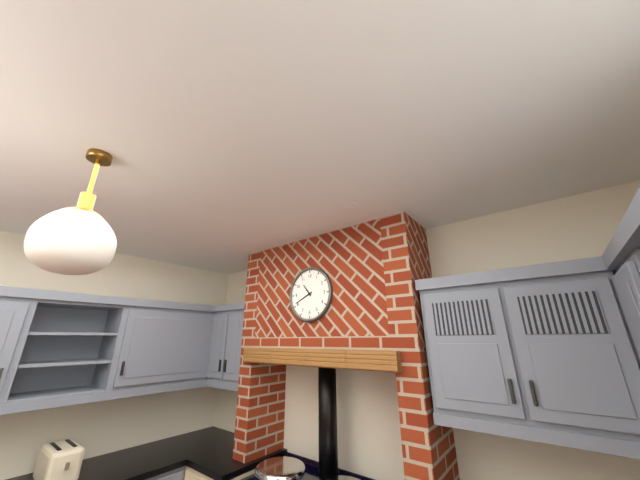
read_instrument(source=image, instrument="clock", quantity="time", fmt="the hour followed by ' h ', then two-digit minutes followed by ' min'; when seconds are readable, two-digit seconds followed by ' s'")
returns 10 h 41 min
